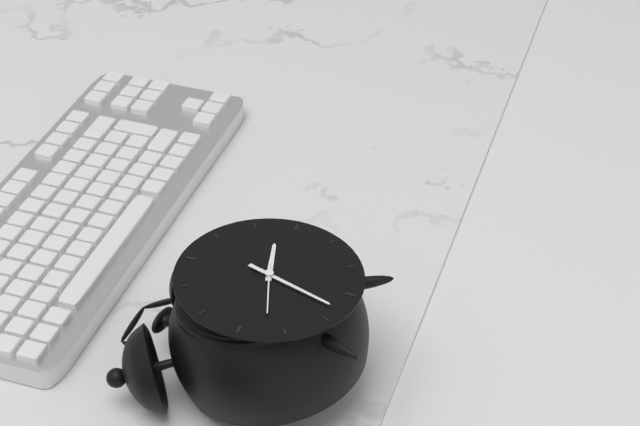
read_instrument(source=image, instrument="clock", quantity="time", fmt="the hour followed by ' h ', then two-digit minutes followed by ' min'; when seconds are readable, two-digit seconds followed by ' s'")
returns 2 h 33 min
